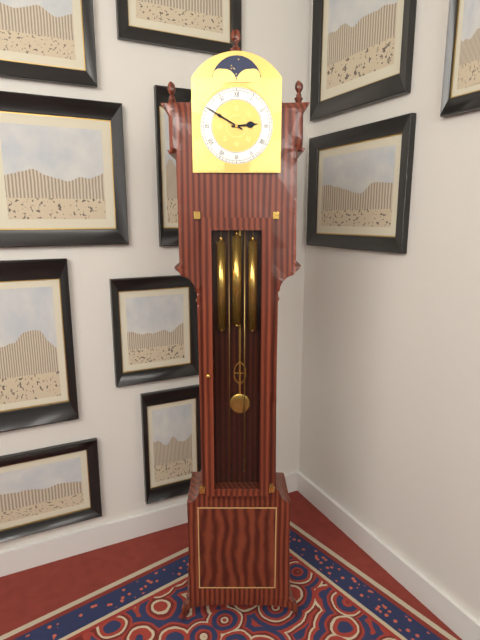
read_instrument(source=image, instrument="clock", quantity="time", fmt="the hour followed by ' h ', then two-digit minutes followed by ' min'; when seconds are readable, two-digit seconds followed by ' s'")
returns 2 h 50 min
